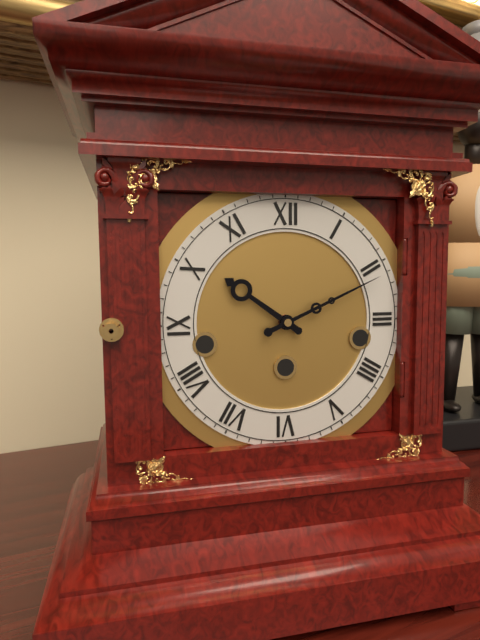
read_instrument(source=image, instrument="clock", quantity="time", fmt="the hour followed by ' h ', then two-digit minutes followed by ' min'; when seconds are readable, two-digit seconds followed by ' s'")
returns 10 h 11 min
